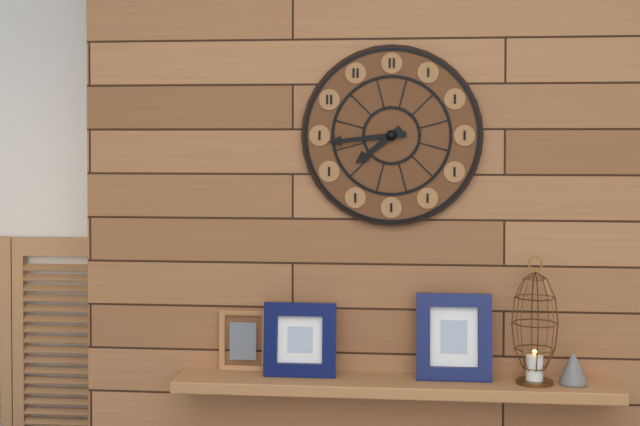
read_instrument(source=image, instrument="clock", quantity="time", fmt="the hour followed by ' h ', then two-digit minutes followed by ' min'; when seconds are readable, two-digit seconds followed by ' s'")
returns 7 h 44 min
